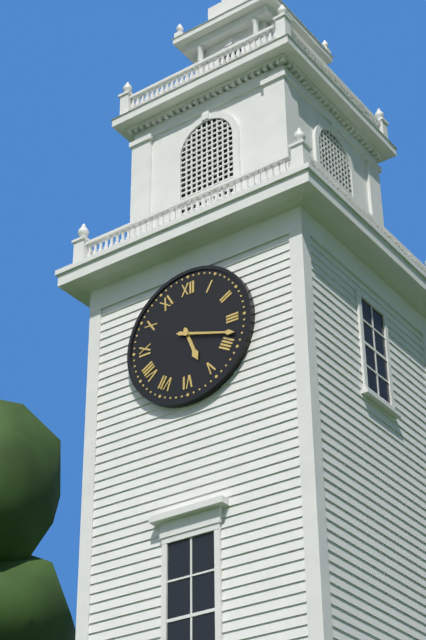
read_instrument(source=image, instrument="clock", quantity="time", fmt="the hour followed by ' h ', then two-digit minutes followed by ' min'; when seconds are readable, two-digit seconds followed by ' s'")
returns 5 h 18 min
